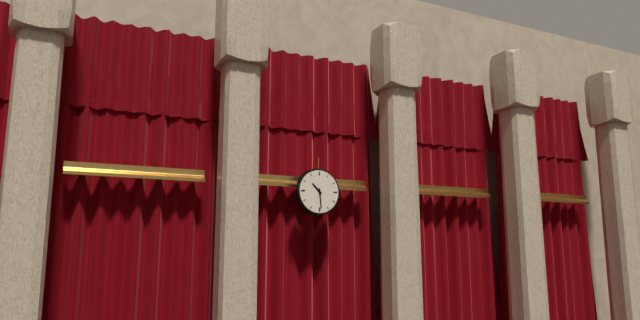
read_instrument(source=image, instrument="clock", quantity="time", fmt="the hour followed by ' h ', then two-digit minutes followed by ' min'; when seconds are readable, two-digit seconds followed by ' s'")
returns 10 h 29 min
